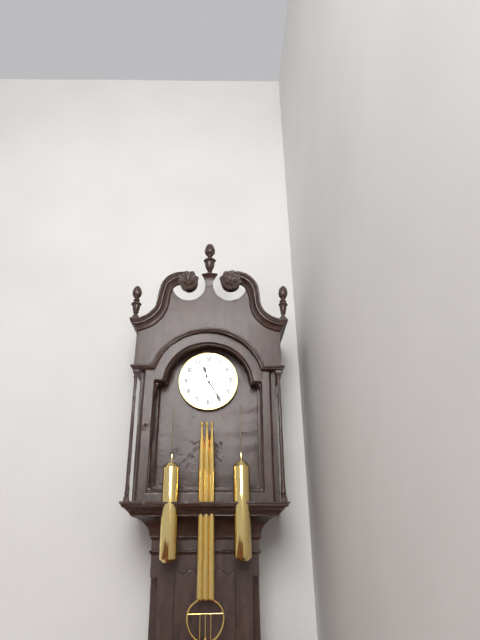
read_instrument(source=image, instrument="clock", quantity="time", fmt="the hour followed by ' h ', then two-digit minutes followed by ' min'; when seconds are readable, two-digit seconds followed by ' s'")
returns 11 h 25 min
